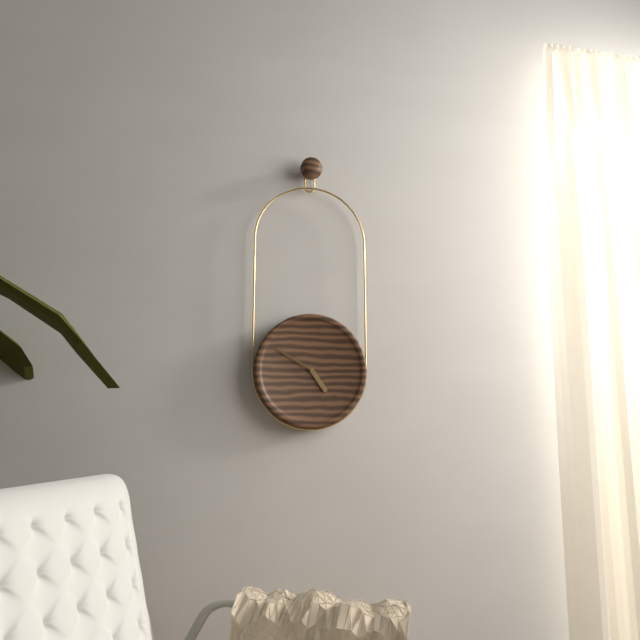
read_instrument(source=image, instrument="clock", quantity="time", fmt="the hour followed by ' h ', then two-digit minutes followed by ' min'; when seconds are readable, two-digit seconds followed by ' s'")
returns 4 h 50 min
